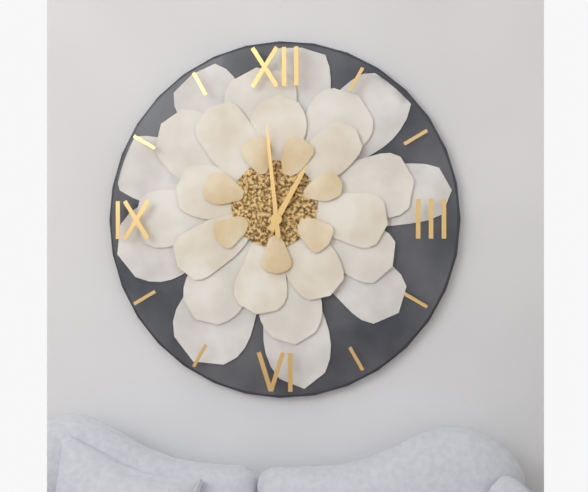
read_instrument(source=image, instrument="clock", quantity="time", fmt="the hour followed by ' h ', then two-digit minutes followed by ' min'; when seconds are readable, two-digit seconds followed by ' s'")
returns 12 h 59 min
